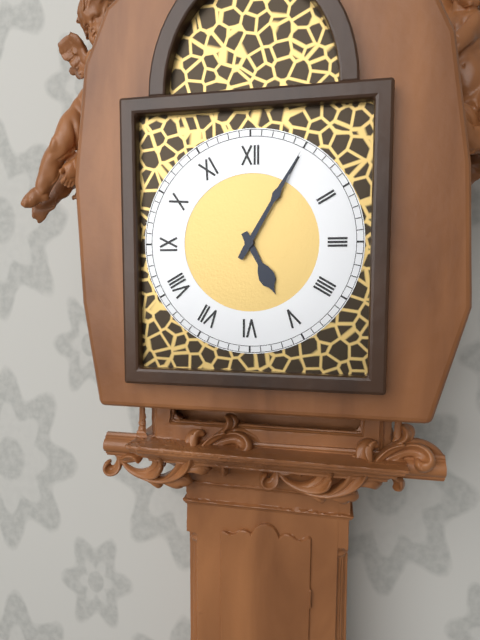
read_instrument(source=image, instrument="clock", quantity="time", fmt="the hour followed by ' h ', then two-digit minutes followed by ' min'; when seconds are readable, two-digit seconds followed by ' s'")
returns 5 h 05 min
